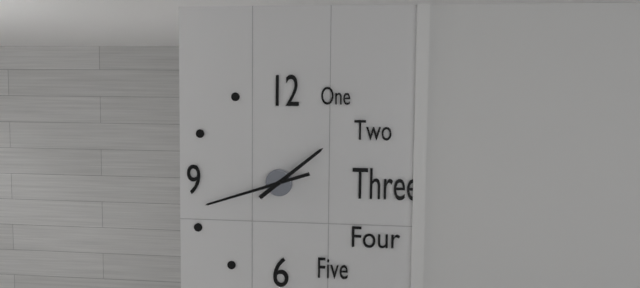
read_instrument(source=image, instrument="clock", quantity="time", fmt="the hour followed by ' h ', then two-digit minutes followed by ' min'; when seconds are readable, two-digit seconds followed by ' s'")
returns 1 h 42 min
